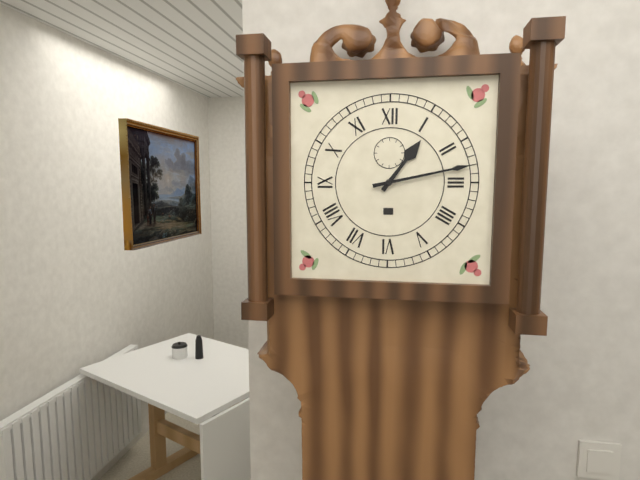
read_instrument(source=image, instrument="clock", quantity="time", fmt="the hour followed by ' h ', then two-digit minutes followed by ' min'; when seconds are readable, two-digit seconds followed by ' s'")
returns 1 h 13 min
